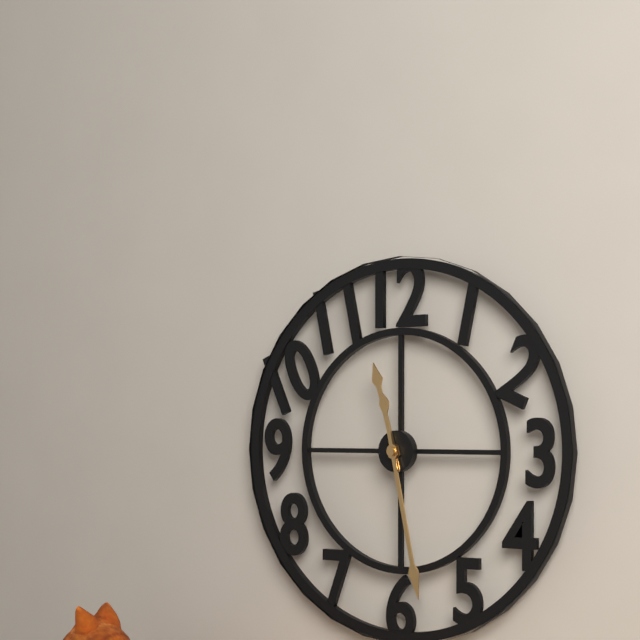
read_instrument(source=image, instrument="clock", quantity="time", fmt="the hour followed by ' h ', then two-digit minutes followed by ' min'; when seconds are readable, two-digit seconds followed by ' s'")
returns 11 h 28 min
